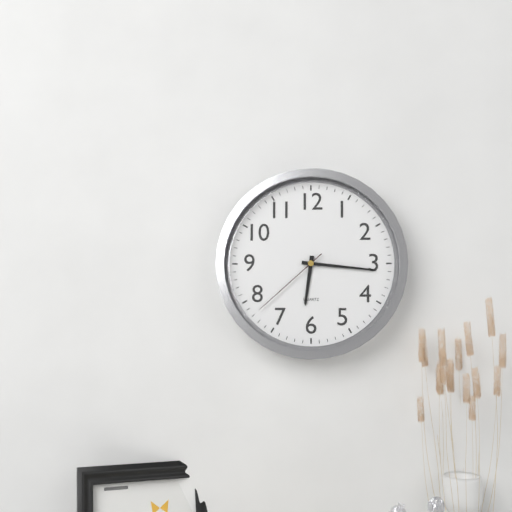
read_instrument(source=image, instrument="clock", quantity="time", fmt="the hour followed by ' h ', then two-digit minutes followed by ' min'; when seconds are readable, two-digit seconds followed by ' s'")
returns 6 h 16 min 38 s
